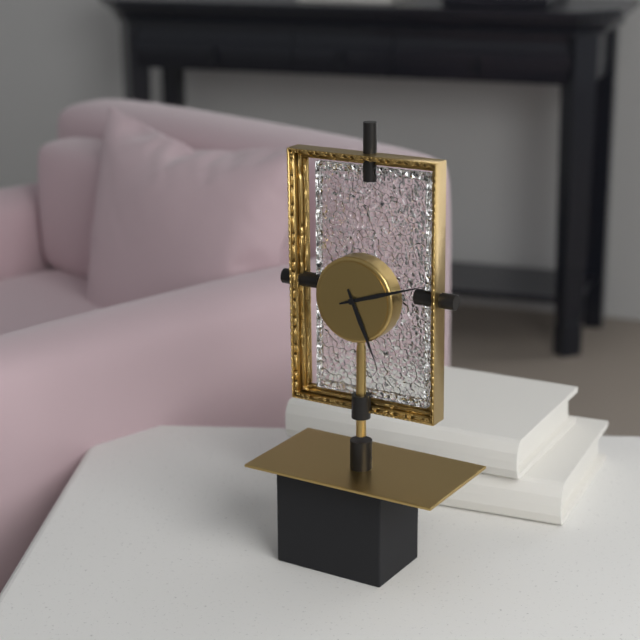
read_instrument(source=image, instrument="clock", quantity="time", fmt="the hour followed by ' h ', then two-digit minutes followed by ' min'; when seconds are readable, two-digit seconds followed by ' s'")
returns 5 h 12 min
